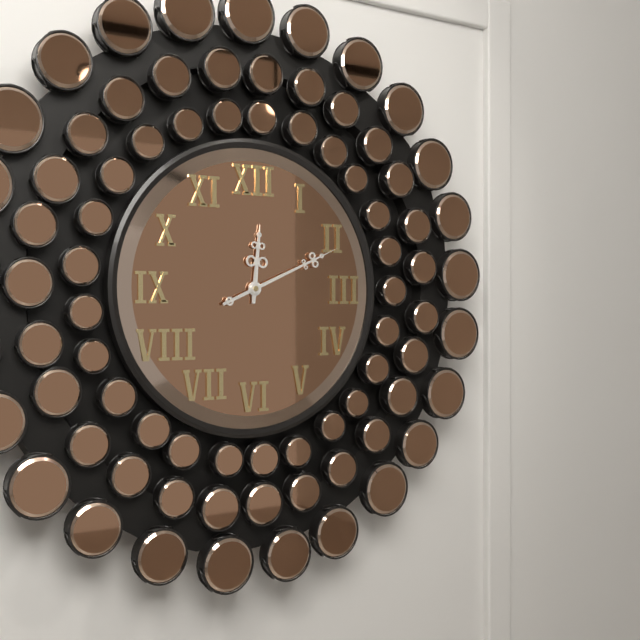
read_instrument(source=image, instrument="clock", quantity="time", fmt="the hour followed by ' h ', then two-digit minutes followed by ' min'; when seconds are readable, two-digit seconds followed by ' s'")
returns 12 h 11 min
